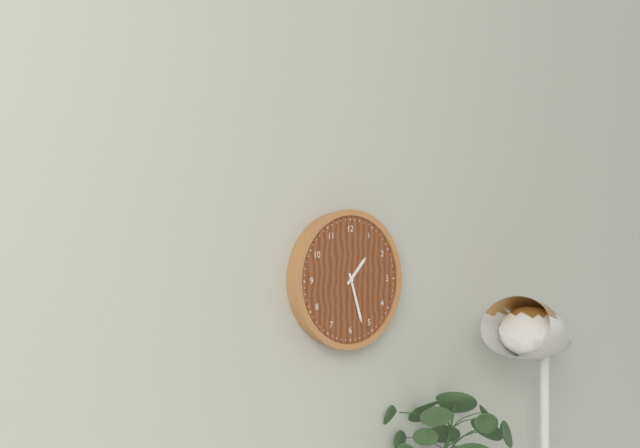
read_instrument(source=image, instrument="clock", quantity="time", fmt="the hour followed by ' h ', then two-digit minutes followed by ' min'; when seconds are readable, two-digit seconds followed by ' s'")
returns 1 h 27 min
